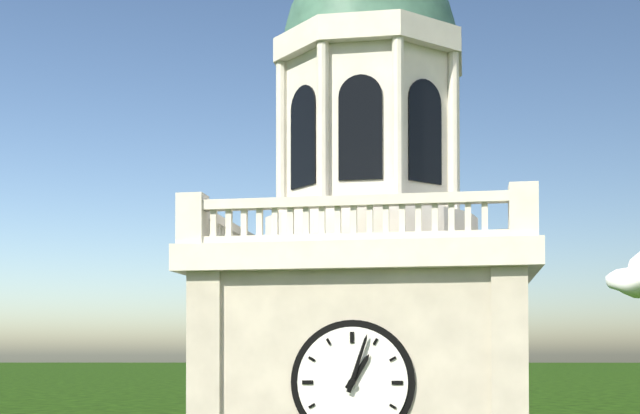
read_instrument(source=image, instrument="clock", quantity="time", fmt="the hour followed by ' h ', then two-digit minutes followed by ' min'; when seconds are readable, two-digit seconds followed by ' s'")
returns 1 h 03 min
